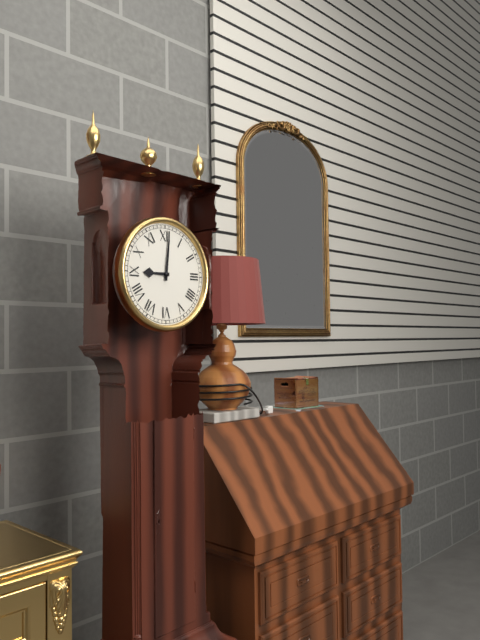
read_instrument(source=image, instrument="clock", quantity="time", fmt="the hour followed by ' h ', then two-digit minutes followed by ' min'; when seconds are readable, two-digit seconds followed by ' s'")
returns 9 h 01 min
